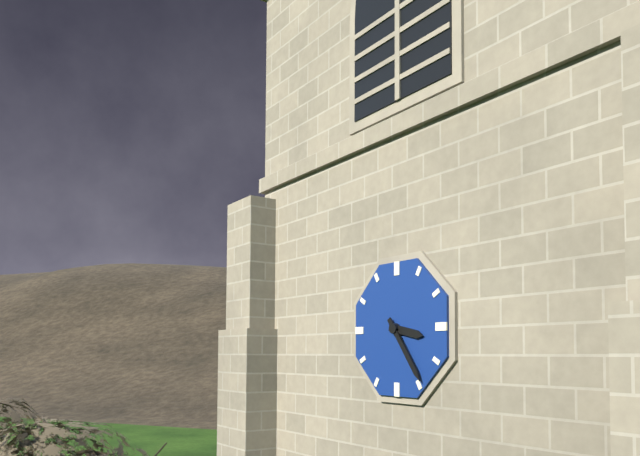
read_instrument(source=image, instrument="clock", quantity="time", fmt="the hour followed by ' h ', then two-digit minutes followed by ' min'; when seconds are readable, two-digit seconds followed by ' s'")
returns 3 h 24 min
